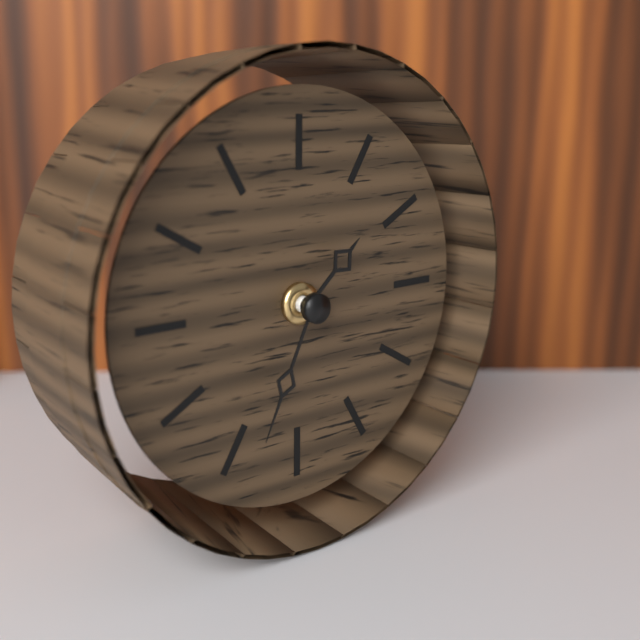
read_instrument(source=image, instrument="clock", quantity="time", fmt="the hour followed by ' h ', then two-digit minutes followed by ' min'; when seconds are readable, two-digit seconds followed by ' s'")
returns 1 h 34 min
